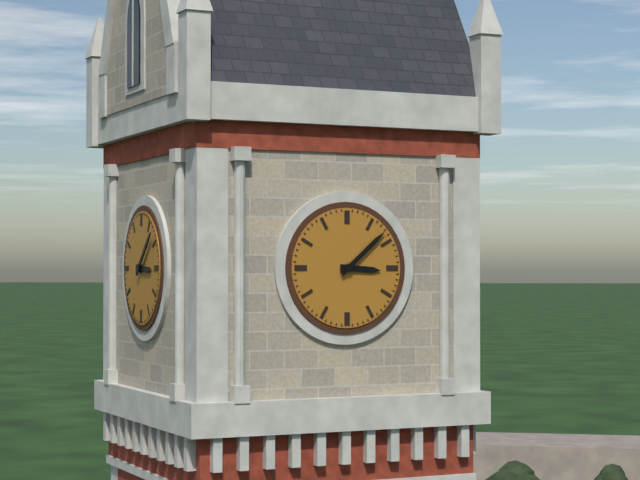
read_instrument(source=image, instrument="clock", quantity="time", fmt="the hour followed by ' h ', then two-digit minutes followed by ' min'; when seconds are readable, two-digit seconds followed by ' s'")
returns 3 h 08 min
